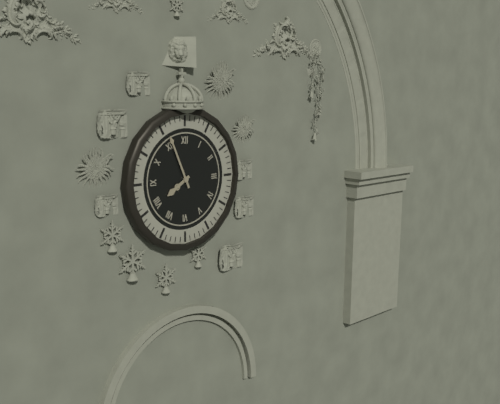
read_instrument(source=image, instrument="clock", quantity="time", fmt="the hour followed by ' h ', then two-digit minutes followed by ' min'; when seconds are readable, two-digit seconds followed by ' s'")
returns 7 h 56 min
